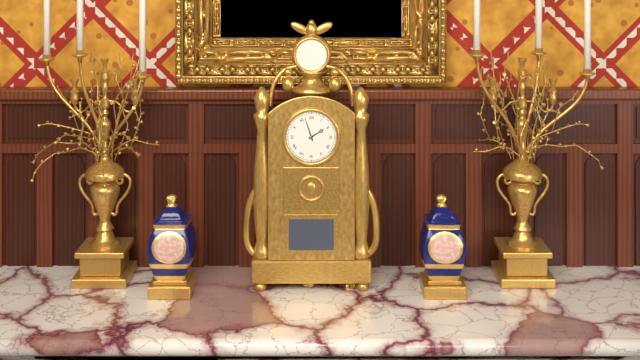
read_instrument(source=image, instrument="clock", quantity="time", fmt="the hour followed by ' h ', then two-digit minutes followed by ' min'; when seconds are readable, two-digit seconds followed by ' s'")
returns 1 h 57 min
